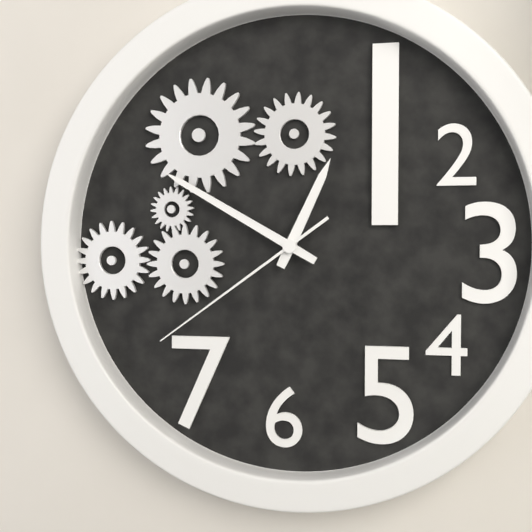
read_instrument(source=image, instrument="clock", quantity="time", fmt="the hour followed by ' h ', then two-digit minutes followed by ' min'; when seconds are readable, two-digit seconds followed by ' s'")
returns 12 h 50 min 39 s
